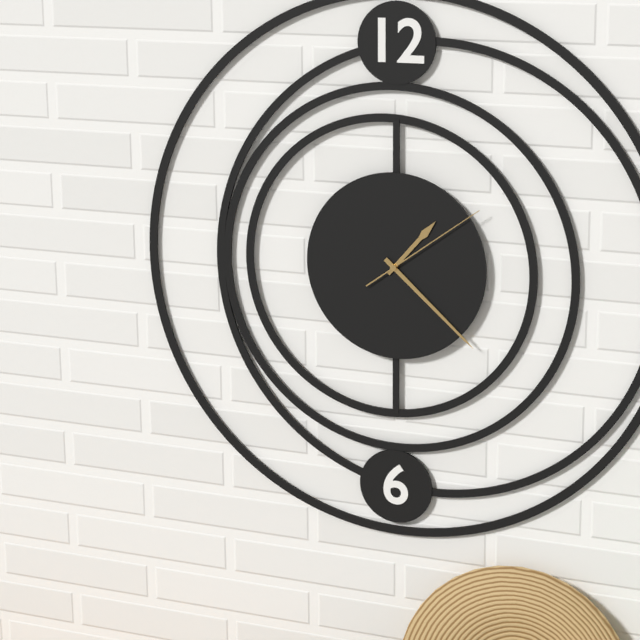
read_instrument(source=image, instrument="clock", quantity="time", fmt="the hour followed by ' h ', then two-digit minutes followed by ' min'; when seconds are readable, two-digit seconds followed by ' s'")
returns 1 h 22 min 09 s
